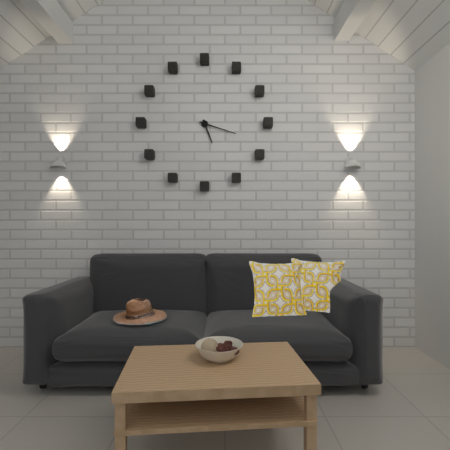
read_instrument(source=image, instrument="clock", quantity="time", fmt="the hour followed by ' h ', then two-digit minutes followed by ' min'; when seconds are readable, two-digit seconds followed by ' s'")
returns 5 h 18 min
